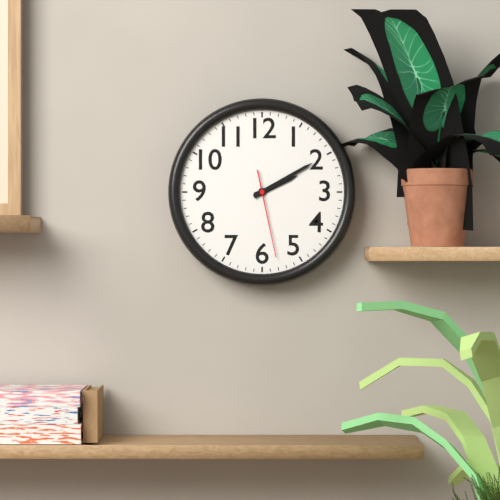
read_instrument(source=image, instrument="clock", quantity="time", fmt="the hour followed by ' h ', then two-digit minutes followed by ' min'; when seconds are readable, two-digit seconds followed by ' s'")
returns 2 h 10 min 28 s
